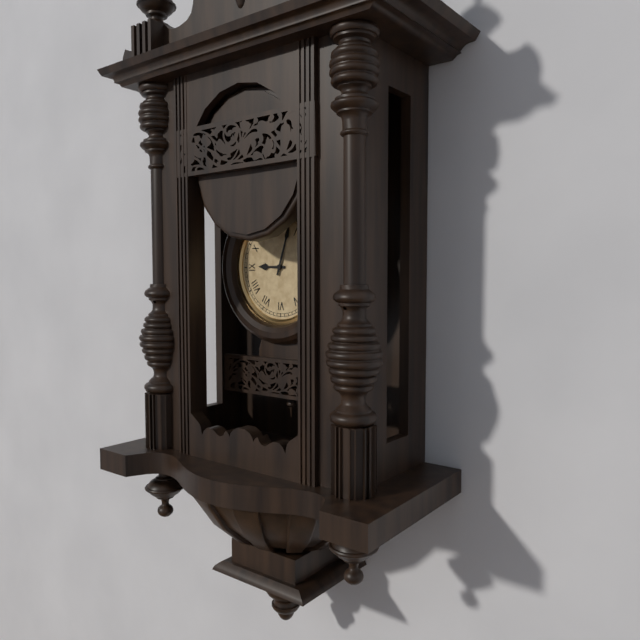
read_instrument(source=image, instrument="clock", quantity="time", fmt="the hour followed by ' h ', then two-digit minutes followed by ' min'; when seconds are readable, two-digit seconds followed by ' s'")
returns 9 h 03 min
